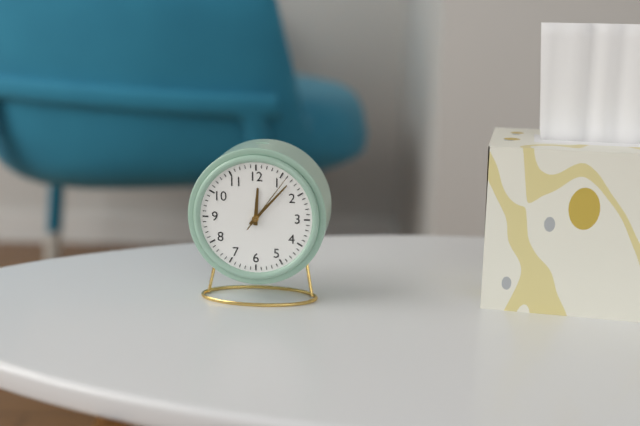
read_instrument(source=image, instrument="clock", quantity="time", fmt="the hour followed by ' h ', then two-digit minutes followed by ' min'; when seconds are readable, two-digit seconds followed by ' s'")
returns 12 h 07 min 06 s
